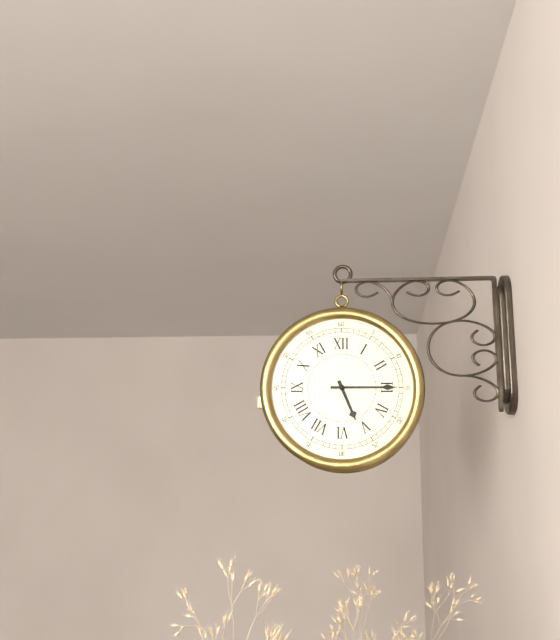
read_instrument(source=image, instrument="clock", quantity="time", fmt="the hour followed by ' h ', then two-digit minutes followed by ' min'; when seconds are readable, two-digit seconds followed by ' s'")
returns 5 h 15 min
